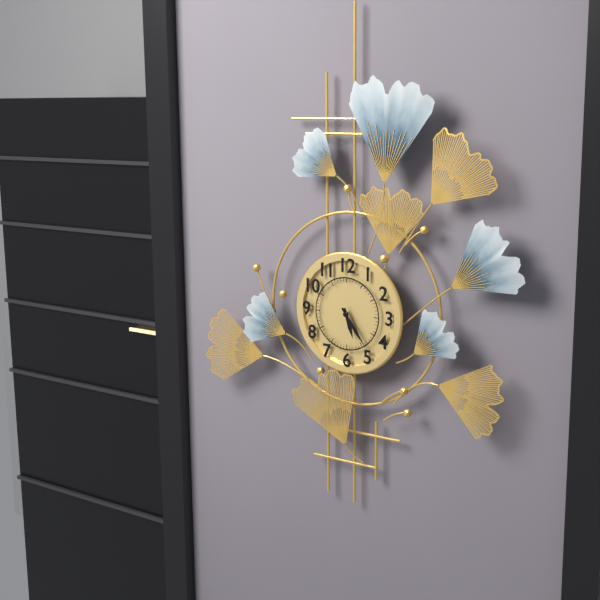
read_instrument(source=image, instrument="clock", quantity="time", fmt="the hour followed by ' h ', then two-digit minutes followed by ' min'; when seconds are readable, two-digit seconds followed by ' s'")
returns 5 h 24 min
